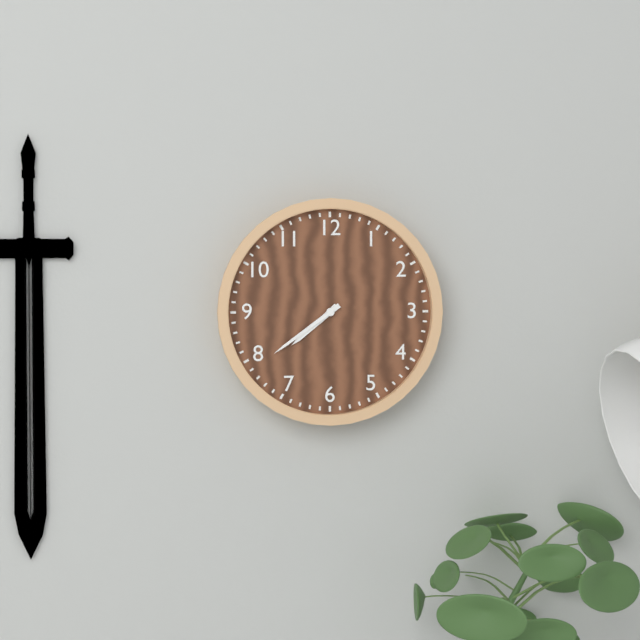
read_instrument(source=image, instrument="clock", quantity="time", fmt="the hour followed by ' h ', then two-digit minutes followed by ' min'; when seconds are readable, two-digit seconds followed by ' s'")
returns 7 h 39 min
